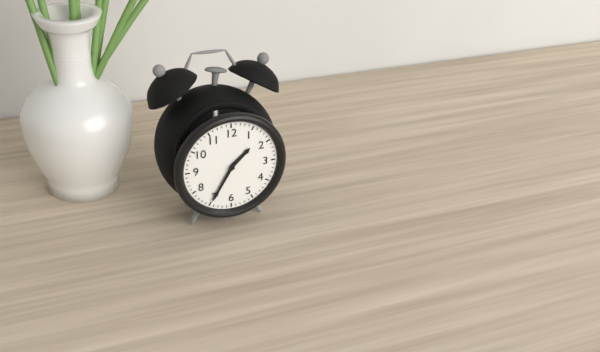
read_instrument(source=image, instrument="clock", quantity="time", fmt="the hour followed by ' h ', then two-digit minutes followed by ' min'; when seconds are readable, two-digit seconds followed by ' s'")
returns 1 h 35 min
